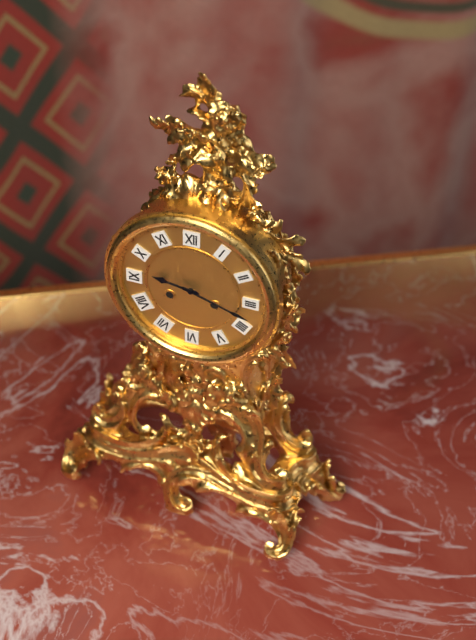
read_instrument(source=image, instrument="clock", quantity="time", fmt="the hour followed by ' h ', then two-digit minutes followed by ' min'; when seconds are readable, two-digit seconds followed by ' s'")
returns 9 h 18 min
